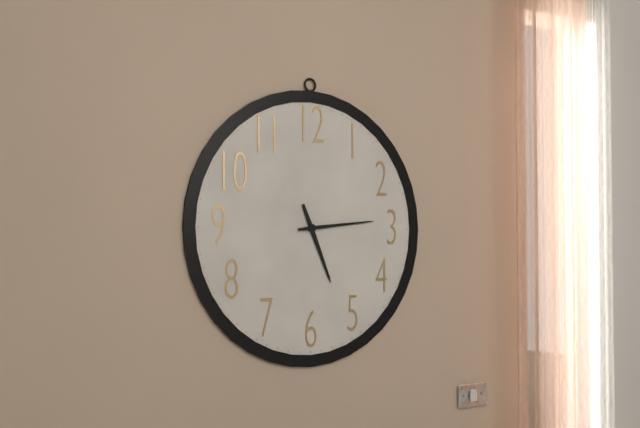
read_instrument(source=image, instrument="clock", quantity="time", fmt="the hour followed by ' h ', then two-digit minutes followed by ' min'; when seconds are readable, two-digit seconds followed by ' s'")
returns 5 h 14 min
